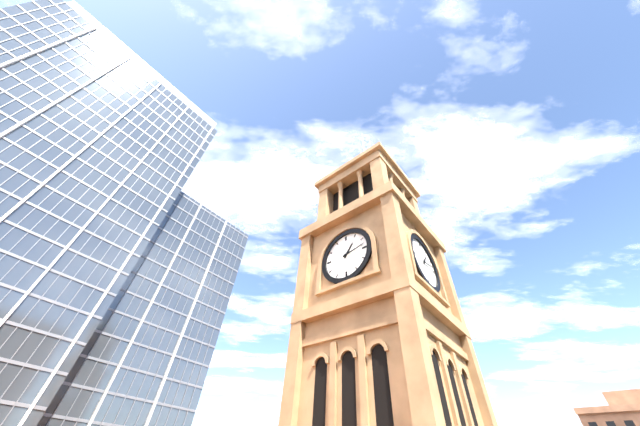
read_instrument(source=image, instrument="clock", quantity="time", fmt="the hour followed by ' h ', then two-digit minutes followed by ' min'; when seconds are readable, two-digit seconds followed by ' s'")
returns 1 h 13 min
